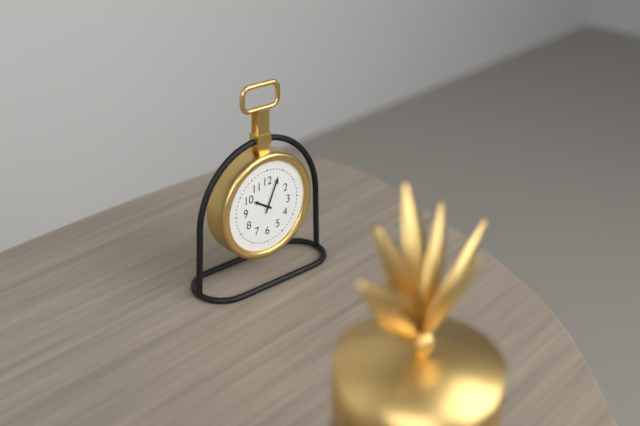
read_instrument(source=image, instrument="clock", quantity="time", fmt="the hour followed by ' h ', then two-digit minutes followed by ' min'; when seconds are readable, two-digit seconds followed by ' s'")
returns 10 h 04 min
